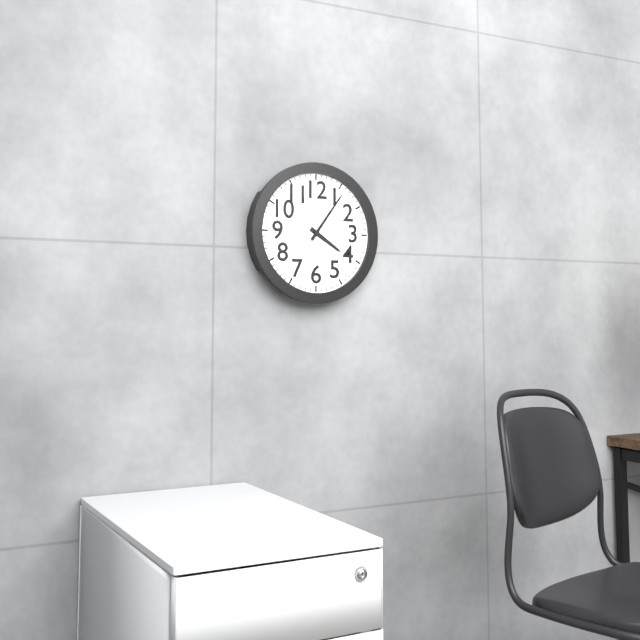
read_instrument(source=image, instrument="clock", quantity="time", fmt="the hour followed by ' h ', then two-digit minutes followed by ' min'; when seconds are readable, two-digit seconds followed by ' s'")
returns 4 h 06 min
